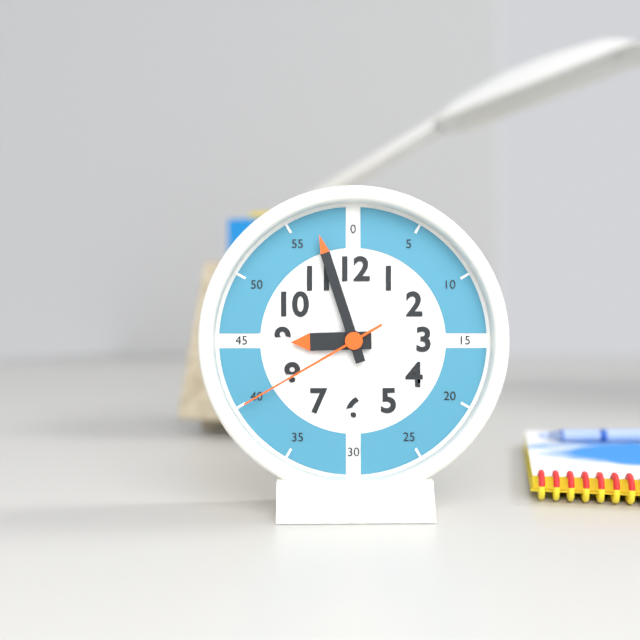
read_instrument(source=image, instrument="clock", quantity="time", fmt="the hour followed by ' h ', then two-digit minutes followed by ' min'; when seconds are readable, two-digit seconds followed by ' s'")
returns 8 h 57 min 40 s
